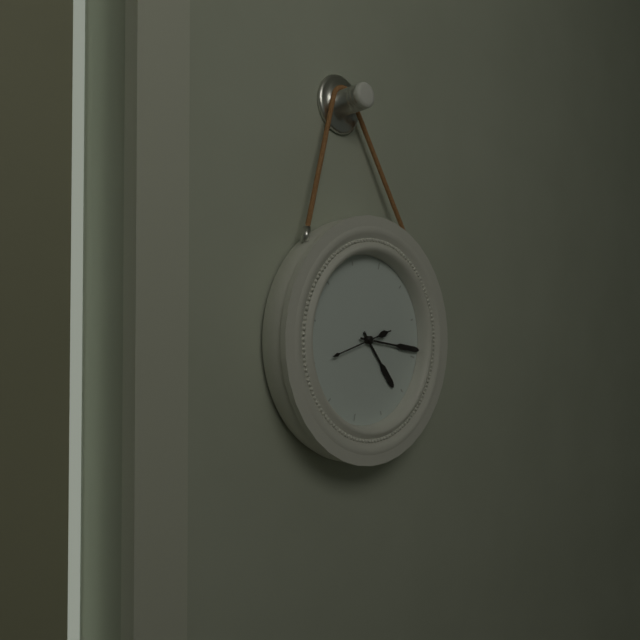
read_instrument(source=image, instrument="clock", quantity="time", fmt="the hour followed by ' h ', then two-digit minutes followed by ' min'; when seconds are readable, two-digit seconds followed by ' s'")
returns 4 h 14 min 40 s
